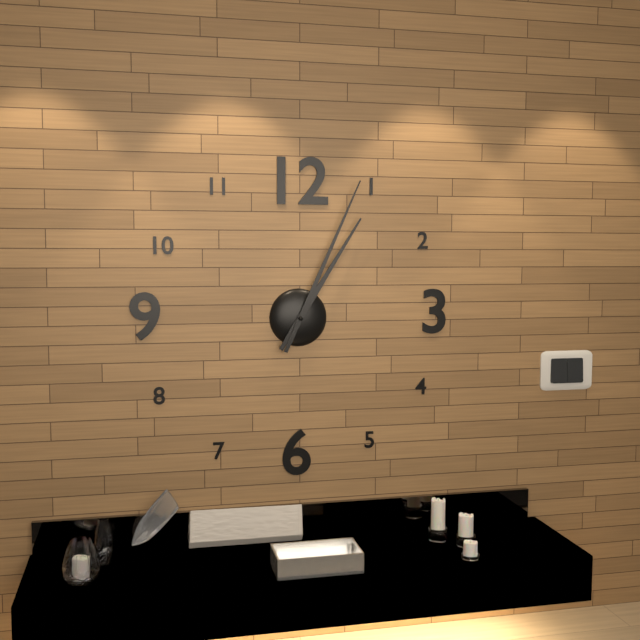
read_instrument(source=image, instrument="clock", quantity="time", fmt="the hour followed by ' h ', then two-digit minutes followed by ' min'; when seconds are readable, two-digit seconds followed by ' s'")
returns 1 h 04 min
